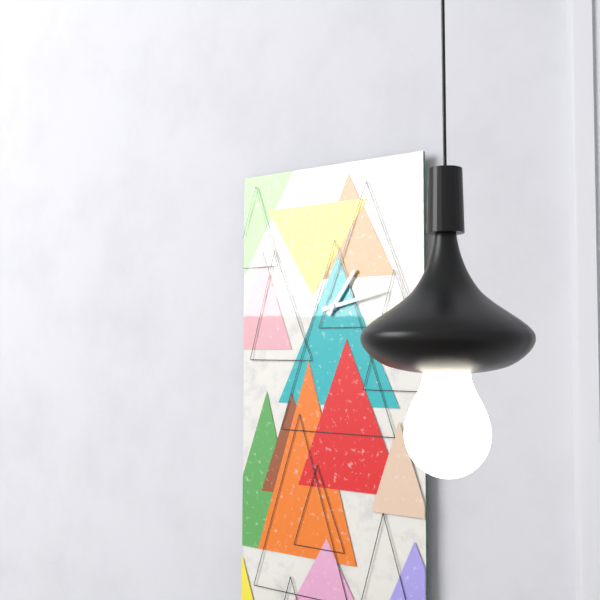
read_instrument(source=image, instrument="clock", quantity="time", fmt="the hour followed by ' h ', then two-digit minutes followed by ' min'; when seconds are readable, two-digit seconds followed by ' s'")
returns 1 h 13 min
